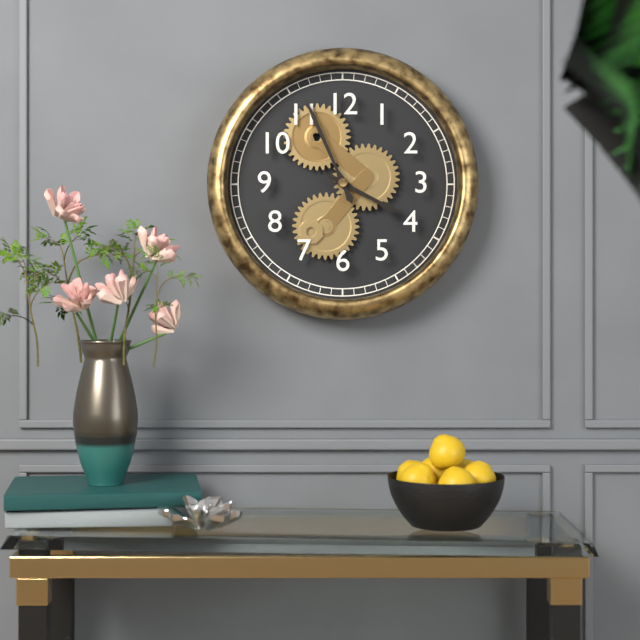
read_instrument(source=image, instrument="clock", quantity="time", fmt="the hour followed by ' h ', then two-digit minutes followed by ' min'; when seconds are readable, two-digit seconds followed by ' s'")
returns 3 h 56 min
